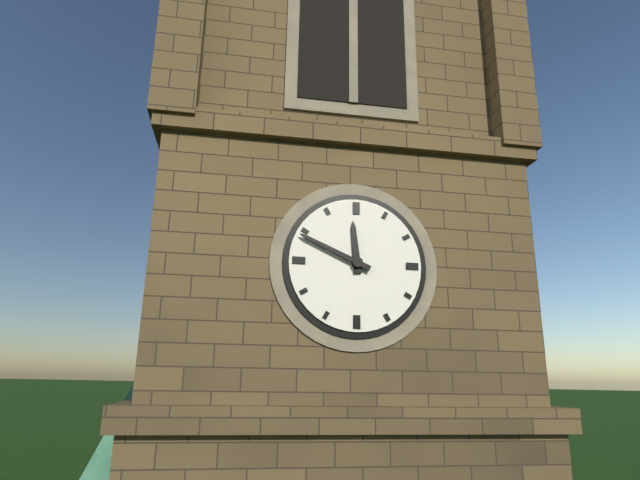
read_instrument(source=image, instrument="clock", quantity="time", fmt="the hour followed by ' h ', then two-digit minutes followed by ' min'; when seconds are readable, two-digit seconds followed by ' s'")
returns 11 h 49 min
